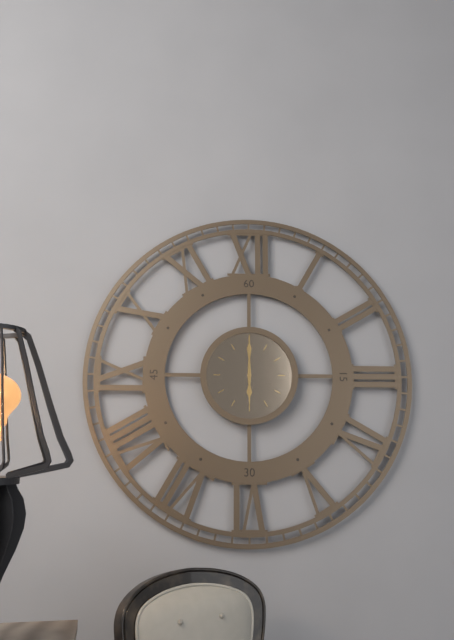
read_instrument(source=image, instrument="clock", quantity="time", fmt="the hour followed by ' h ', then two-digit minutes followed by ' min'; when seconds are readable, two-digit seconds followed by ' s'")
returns 6 h 00 min
